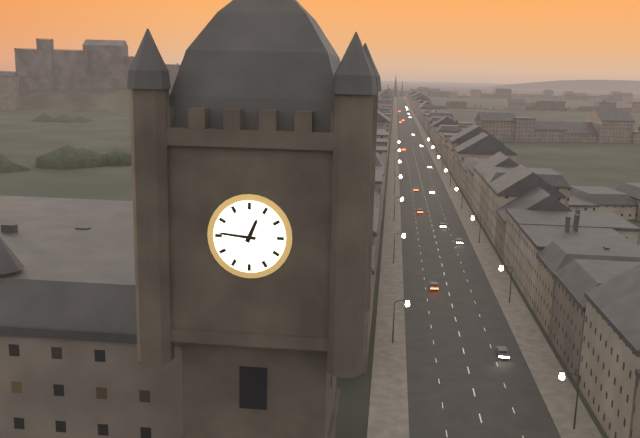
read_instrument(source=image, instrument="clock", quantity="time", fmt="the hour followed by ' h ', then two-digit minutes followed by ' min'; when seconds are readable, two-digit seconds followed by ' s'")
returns 12 h 46 min
